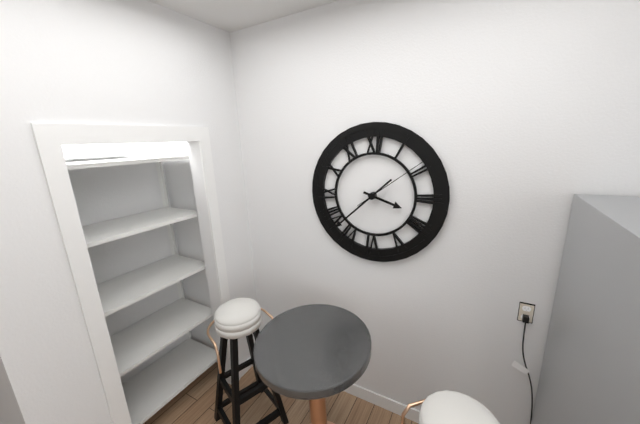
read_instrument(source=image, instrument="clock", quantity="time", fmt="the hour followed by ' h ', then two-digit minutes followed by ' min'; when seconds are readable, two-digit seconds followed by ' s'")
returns 3 h 38 min 09 s
